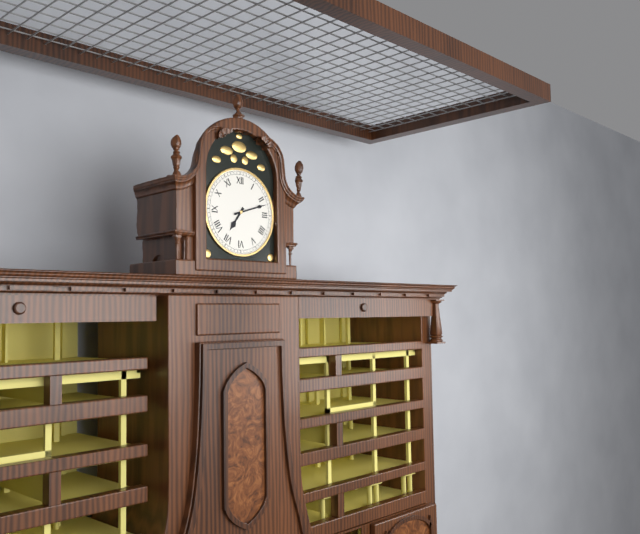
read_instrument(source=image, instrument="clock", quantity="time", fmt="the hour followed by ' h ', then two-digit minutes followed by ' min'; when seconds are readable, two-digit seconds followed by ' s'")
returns 7 h 12 min
